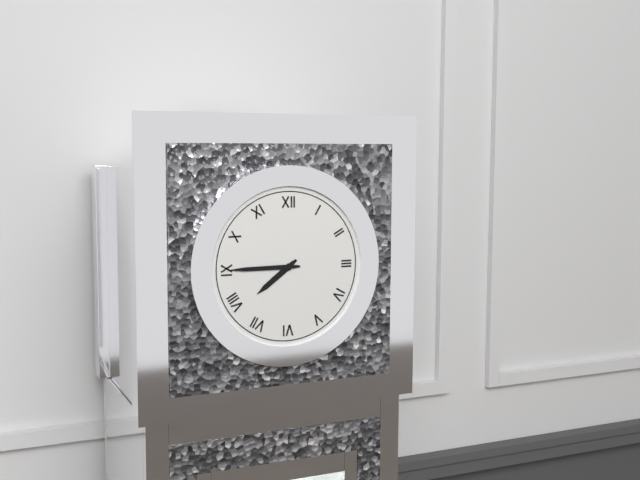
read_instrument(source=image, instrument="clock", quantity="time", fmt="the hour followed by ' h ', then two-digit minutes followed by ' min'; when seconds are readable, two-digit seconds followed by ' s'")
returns 7 h 45 min
